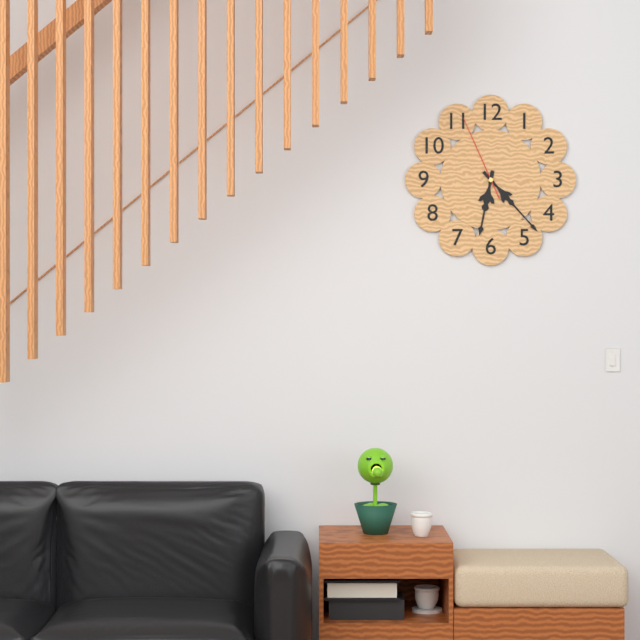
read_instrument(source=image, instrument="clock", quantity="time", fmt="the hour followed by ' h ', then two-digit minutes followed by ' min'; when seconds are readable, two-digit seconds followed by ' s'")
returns 6 h 23 min 56 s
